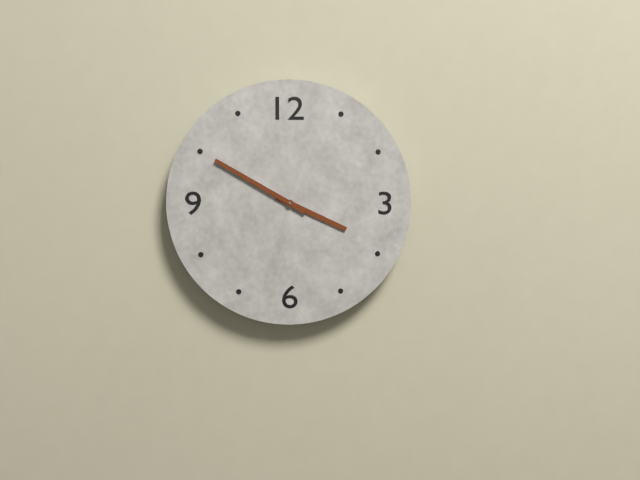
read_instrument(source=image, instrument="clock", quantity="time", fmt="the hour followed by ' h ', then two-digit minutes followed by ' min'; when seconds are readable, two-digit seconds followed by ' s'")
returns 3 h 50 min
